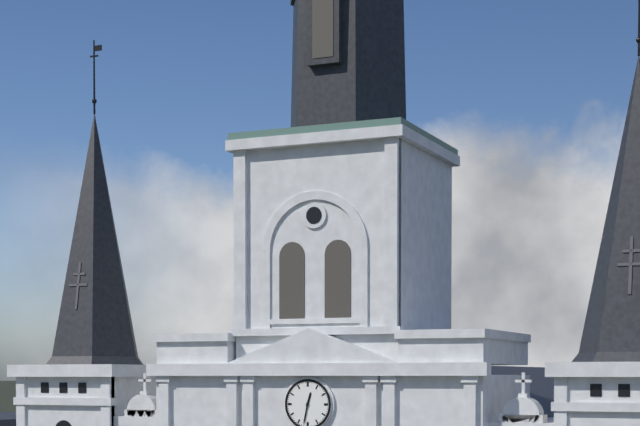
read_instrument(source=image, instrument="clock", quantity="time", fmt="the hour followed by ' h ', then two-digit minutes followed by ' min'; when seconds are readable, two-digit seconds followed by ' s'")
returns 12 h 32 min
